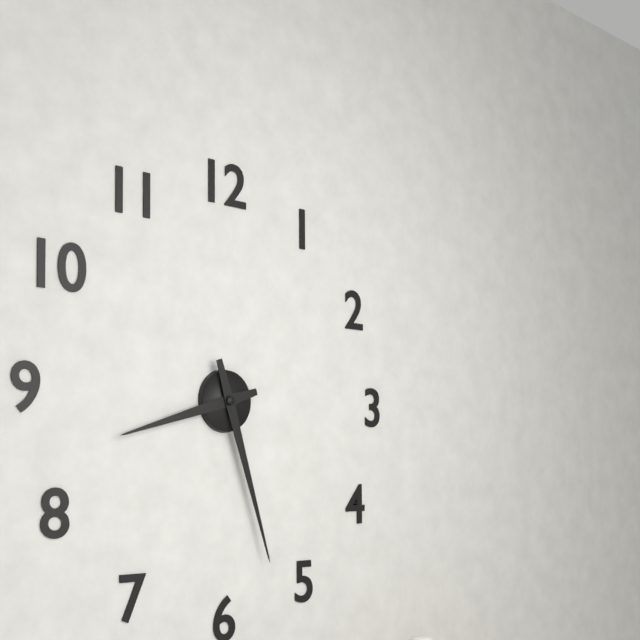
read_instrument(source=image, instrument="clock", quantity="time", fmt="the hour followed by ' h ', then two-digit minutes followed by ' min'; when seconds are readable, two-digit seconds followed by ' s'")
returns 8 h 27 min
